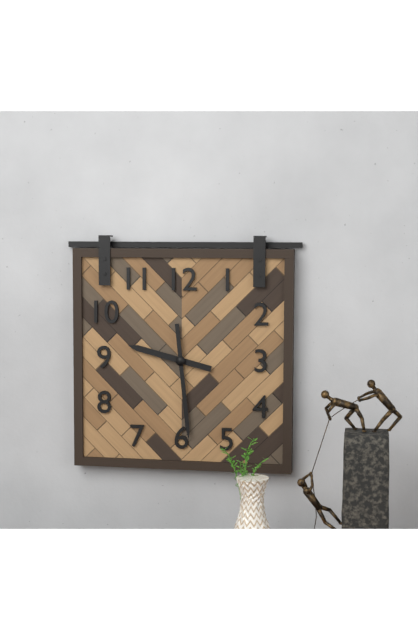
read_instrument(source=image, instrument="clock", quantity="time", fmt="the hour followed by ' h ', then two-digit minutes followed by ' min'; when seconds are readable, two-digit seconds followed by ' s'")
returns 9 h 29 min
